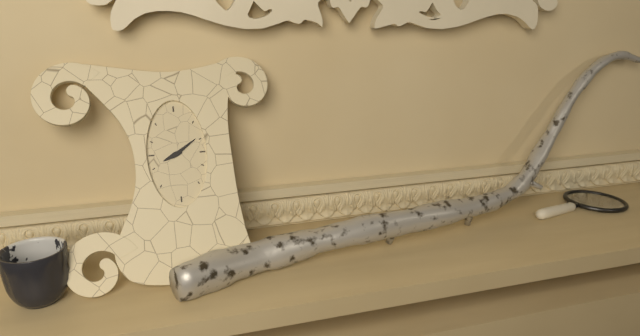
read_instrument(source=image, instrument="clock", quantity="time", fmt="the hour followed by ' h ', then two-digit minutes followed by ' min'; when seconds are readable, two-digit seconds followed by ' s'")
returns 8 h 09 min
